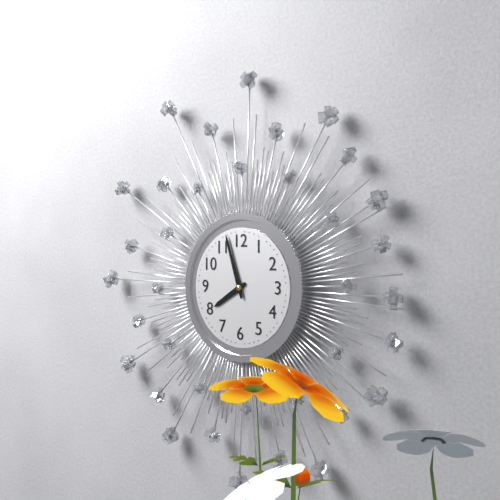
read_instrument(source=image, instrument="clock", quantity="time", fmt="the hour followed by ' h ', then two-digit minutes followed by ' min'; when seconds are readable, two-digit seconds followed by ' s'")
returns 7 h 57 min
